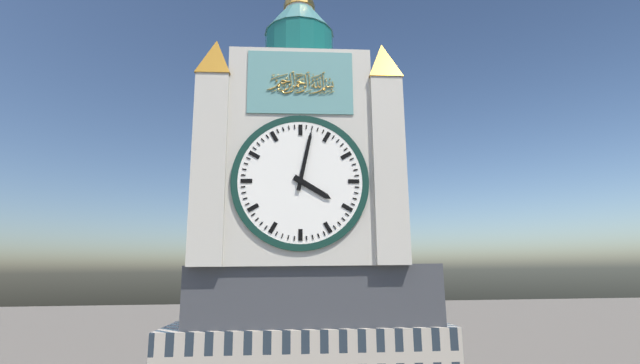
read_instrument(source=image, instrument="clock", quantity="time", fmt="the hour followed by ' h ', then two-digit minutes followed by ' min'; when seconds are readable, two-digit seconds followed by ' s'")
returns 4 h 02 min
